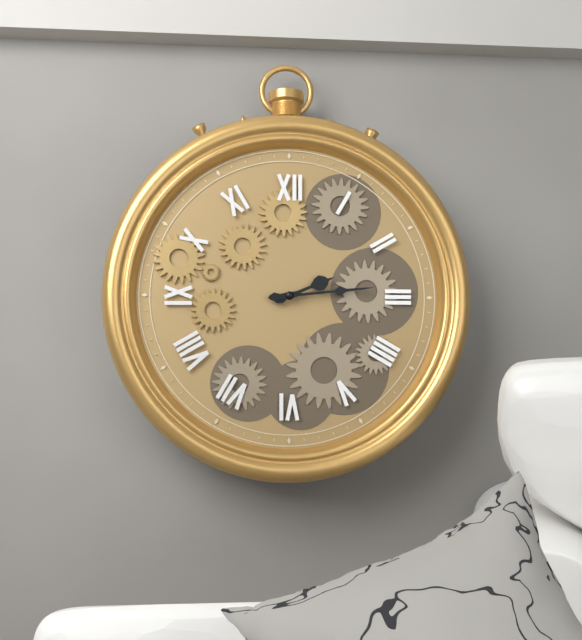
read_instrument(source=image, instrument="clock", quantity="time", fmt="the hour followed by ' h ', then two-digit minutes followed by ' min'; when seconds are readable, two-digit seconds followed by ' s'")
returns 2 h 14 min
